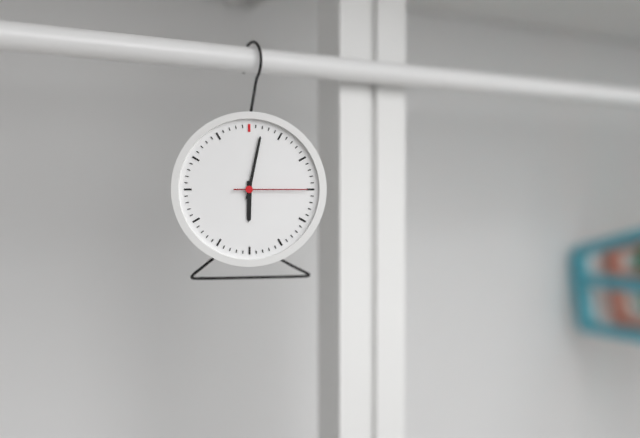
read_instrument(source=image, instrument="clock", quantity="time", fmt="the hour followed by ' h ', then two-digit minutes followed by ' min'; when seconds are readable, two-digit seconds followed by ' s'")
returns 6 h 02 min 15 s
